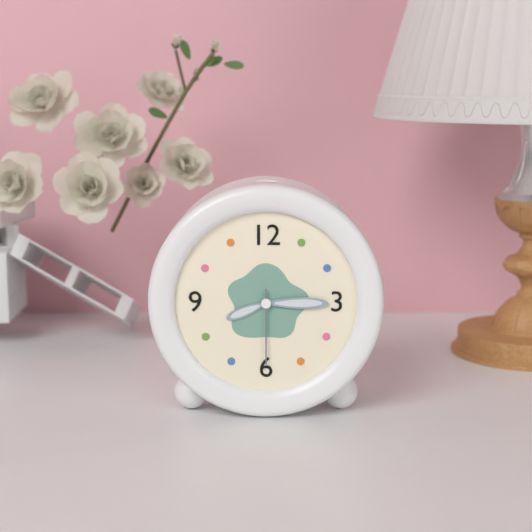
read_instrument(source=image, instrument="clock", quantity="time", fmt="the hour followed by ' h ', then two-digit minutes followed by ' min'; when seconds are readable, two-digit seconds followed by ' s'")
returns 8 h 15 min 30 s
